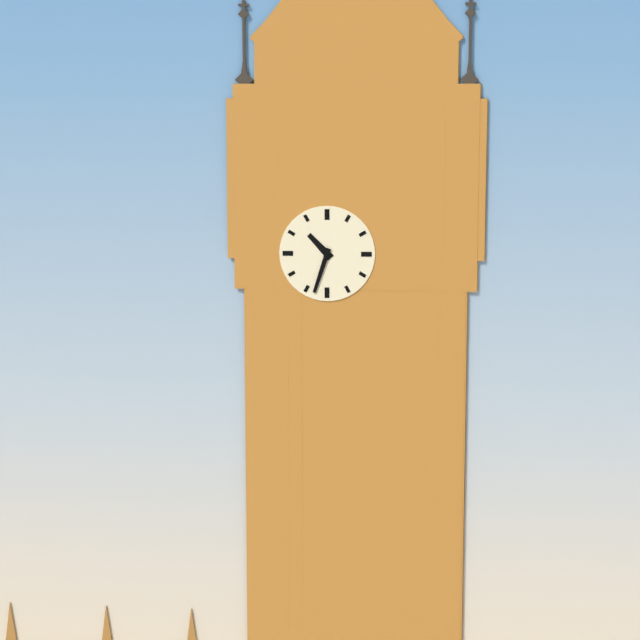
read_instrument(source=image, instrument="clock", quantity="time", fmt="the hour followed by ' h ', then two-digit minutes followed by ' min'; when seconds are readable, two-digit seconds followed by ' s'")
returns 10 h 33 min
